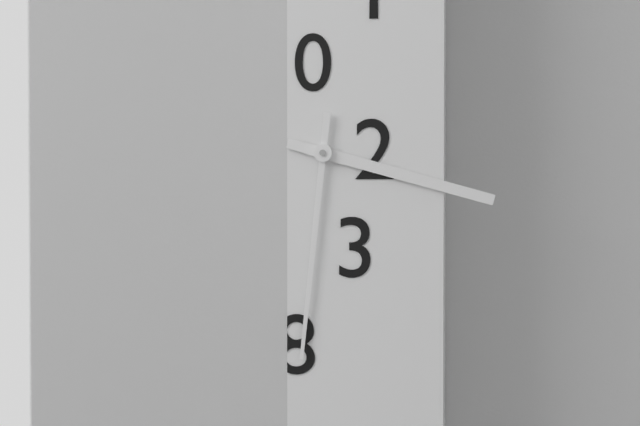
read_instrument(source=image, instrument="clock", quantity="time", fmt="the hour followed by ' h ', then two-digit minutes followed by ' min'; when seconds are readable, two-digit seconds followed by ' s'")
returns 3 h 31 min
